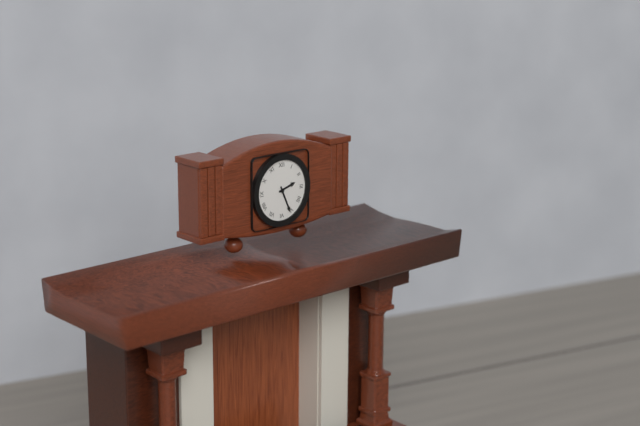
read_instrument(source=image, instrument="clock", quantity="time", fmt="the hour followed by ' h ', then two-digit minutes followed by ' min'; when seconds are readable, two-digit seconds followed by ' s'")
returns 2 h 26 min
